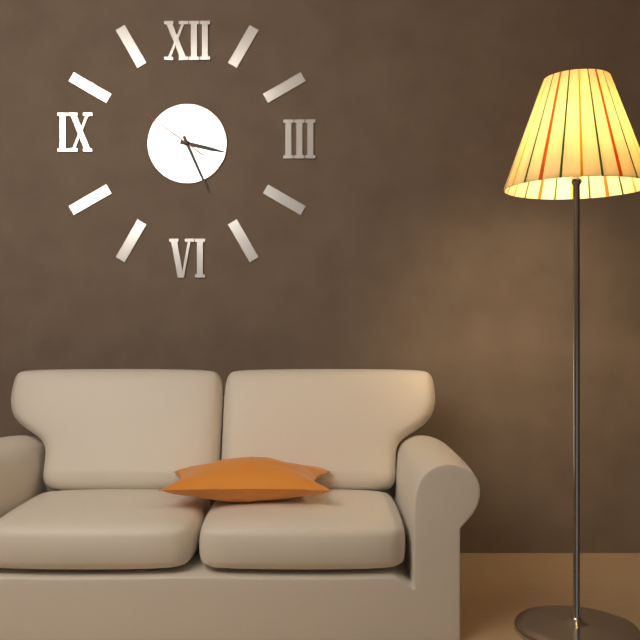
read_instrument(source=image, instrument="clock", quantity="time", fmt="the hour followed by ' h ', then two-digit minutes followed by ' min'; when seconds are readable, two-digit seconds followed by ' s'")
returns 3 h 26 min 51 s
